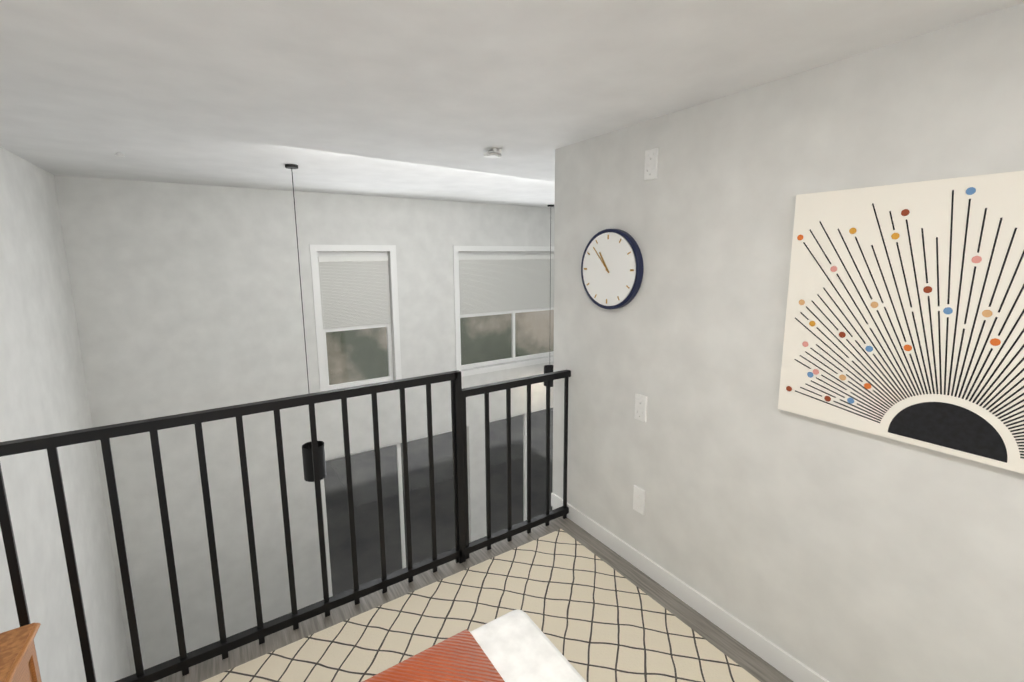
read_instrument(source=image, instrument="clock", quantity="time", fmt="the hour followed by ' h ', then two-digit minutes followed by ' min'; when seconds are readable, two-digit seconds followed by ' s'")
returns 10 h 53 min
